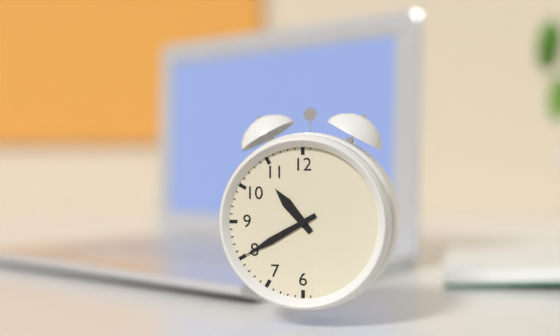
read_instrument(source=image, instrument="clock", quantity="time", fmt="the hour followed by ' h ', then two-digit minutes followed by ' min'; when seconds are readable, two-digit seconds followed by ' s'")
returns 10 h 40 min
